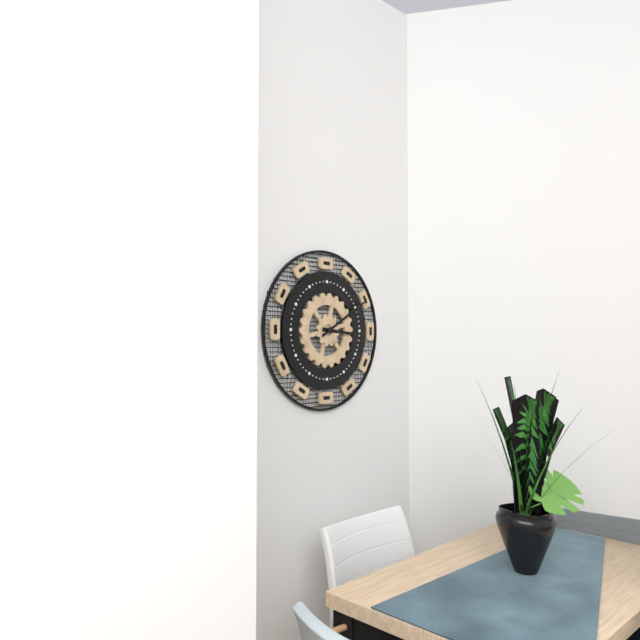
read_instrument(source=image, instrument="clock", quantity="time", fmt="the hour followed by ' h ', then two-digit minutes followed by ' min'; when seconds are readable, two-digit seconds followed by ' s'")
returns 3 h 10 min
